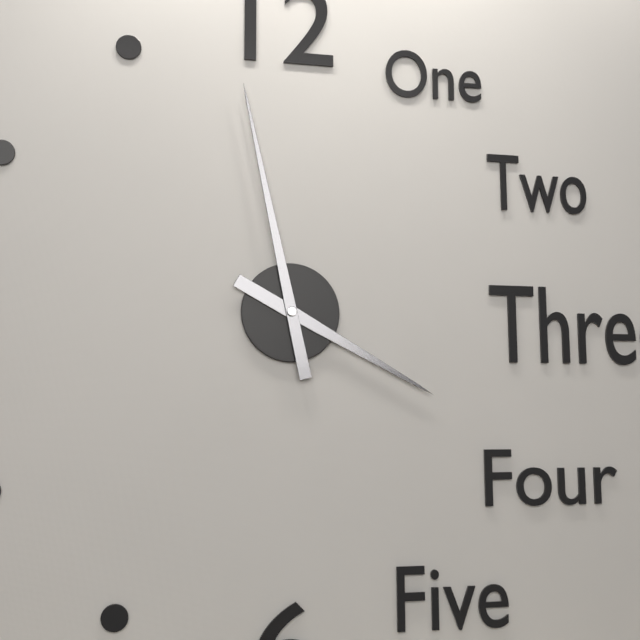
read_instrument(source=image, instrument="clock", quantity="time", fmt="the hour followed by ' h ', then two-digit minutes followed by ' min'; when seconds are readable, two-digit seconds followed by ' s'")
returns 3 h 58 min
